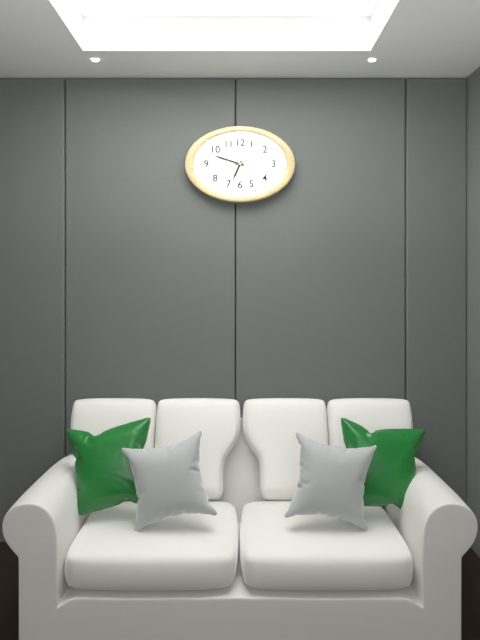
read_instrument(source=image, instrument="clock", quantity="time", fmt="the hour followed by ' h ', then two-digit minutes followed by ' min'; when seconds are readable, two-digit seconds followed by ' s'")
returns 6 h 48 min
